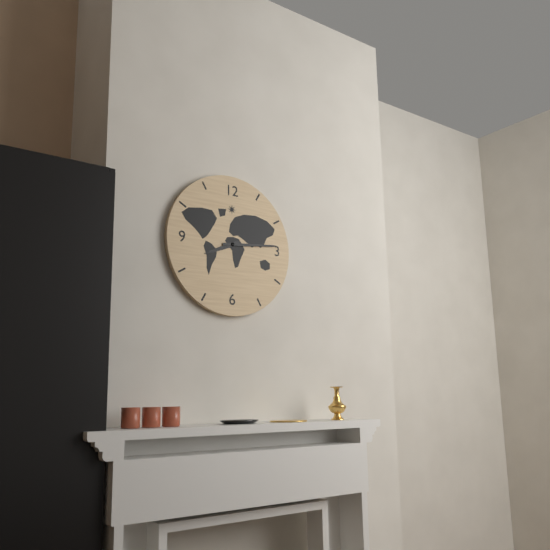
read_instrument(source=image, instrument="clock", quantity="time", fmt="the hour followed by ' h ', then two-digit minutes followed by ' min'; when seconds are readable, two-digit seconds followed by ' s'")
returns 8 h 14 min
